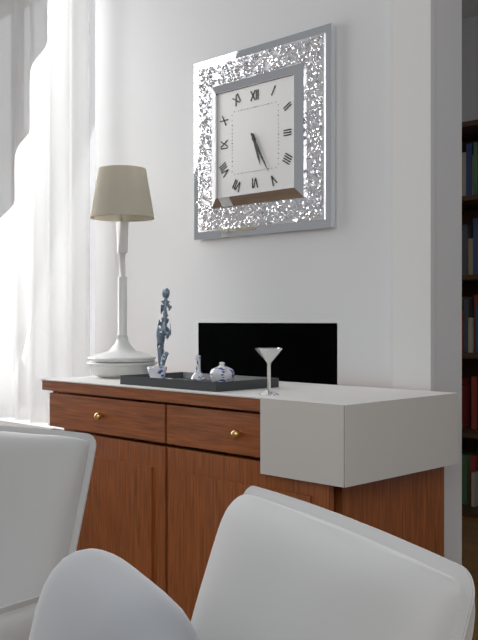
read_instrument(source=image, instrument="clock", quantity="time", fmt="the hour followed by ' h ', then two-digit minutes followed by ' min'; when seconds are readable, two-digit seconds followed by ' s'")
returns 5 h 25 min
